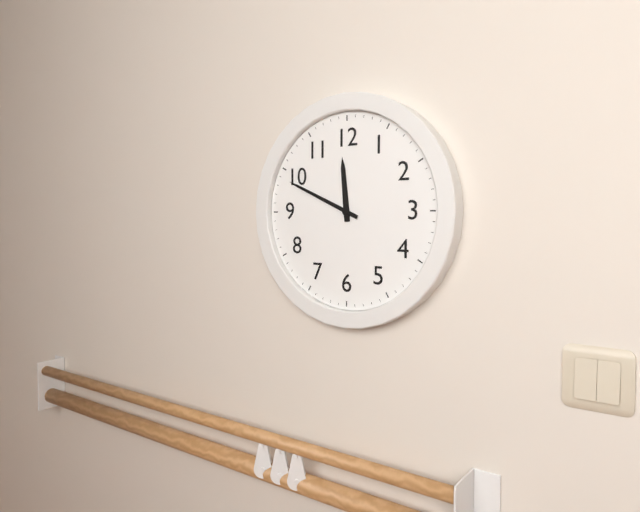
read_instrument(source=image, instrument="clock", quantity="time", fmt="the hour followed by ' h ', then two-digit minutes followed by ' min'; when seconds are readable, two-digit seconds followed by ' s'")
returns 11 h 49 min
